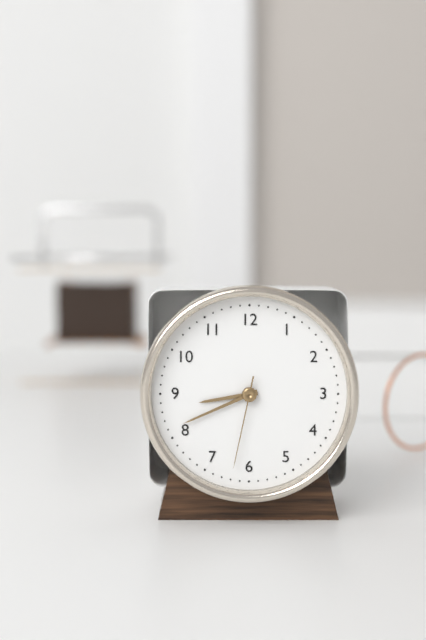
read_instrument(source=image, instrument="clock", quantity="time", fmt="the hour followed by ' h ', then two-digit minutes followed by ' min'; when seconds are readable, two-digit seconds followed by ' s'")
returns 8 h 41 min 32 s
